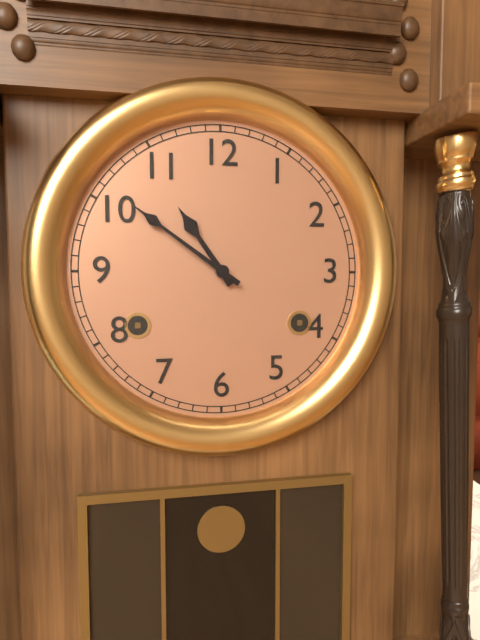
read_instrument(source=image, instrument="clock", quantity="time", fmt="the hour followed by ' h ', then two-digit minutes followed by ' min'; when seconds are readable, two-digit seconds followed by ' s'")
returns 10 h 51 min
